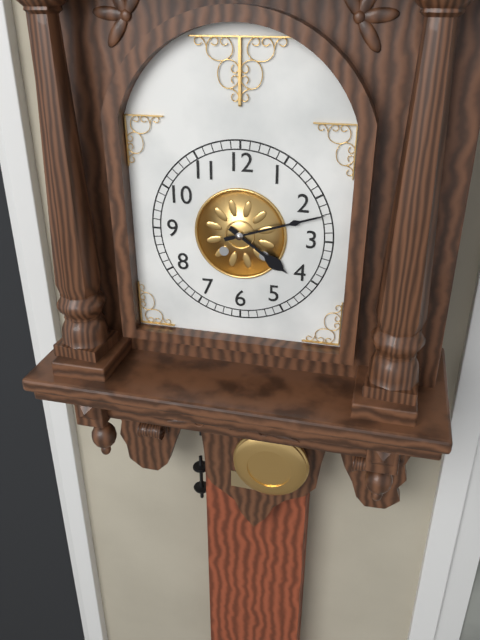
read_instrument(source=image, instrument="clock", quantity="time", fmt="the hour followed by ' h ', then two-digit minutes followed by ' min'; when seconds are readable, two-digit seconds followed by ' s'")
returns 4 h 12 min
